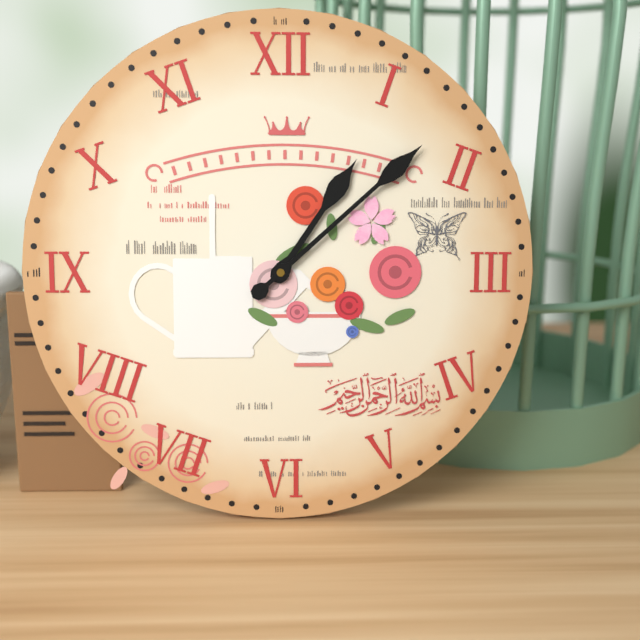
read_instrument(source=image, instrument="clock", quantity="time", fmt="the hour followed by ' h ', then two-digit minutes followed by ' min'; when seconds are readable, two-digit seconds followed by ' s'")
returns 1 h 08 min
